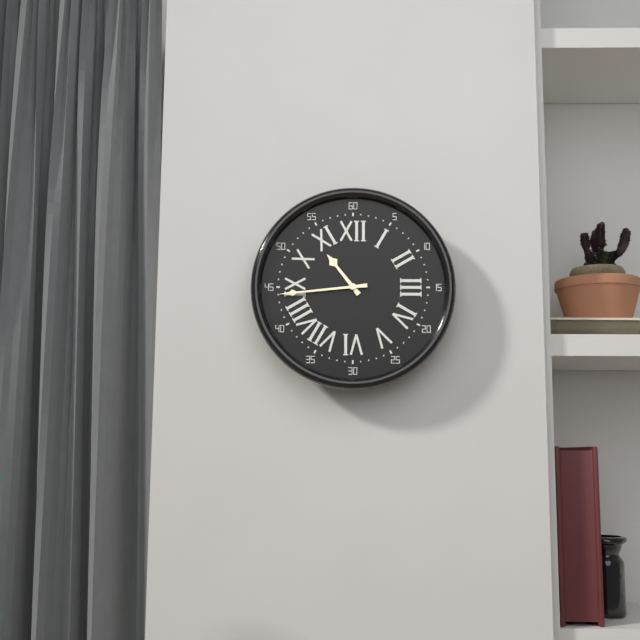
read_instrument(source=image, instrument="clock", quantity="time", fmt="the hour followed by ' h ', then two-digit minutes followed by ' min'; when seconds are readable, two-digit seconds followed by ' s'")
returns 10 h 44 min
